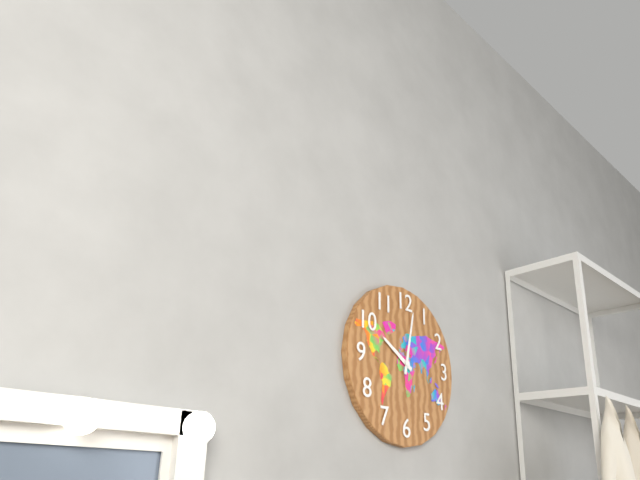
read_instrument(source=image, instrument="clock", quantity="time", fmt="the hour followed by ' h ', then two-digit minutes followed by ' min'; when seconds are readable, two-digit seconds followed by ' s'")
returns 10 h 02 min
